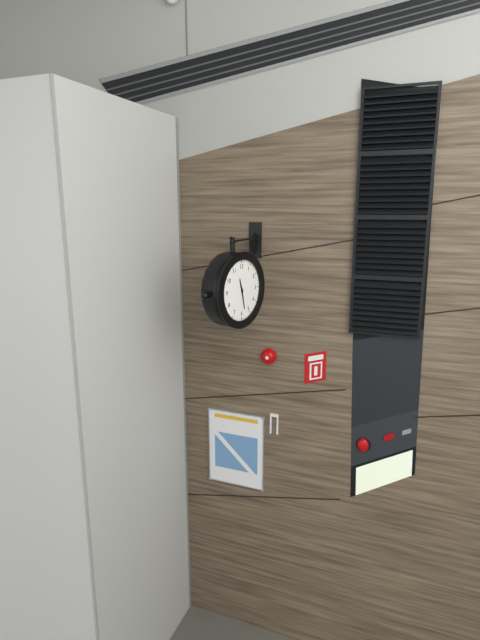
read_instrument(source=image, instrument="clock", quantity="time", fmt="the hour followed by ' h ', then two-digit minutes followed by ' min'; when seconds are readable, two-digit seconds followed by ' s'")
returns 11 h 28 min
